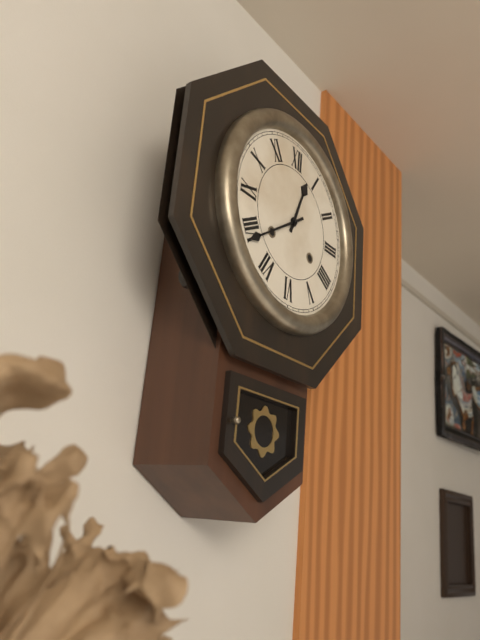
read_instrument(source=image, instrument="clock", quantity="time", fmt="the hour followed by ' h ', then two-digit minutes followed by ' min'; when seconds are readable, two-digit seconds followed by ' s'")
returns 12 h 39 min
